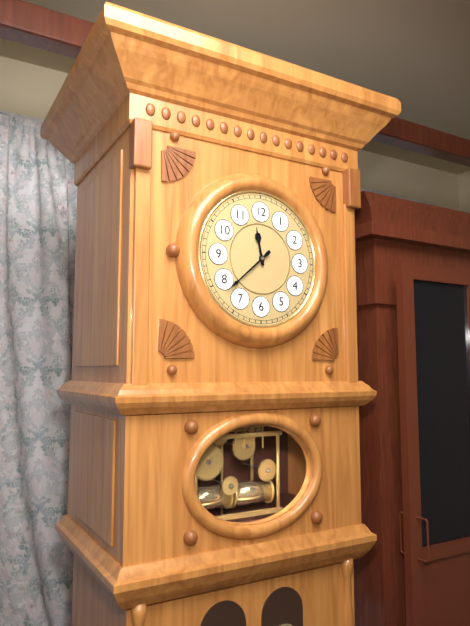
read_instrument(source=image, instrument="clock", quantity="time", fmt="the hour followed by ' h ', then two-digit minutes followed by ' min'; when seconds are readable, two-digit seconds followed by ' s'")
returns 11 h 38 min
